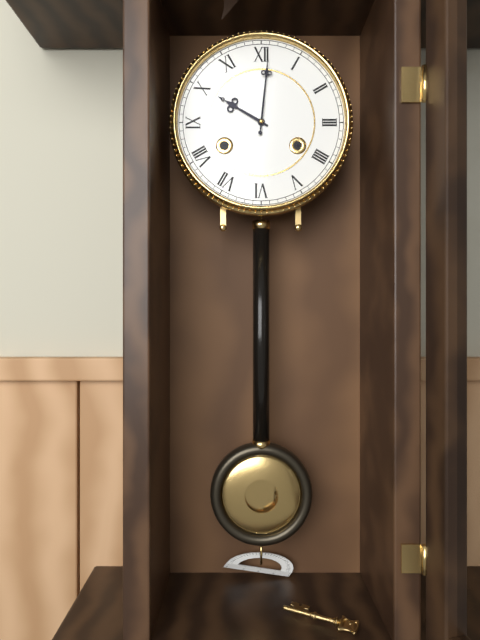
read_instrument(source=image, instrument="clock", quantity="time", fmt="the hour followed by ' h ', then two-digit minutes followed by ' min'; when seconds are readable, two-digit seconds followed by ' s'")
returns 10 h 01 min
